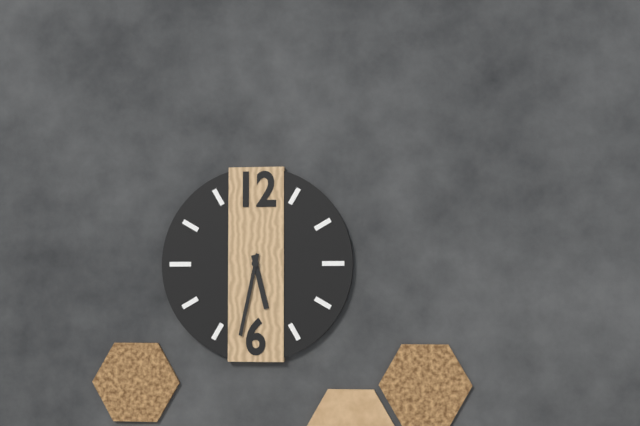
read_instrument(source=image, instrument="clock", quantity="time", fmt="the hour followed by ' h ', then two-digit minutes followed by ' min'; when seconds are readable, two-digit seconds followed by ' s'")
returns 5 h 32 min
